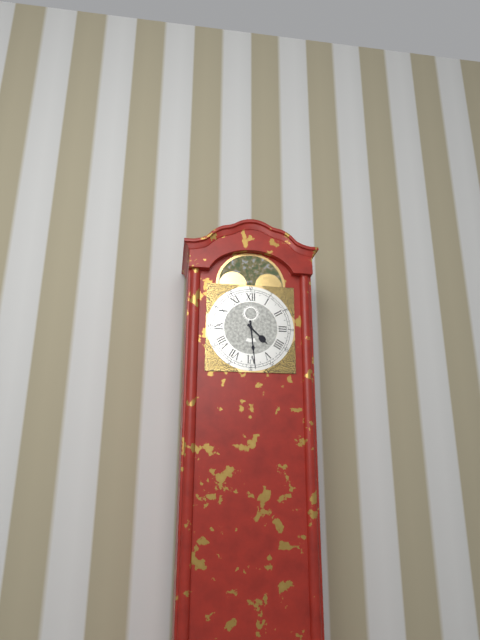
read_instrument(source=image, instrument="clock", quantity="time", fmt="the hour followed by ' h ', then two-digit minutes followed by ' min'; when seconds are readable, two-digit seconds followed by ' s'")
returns 4 h 29 min
